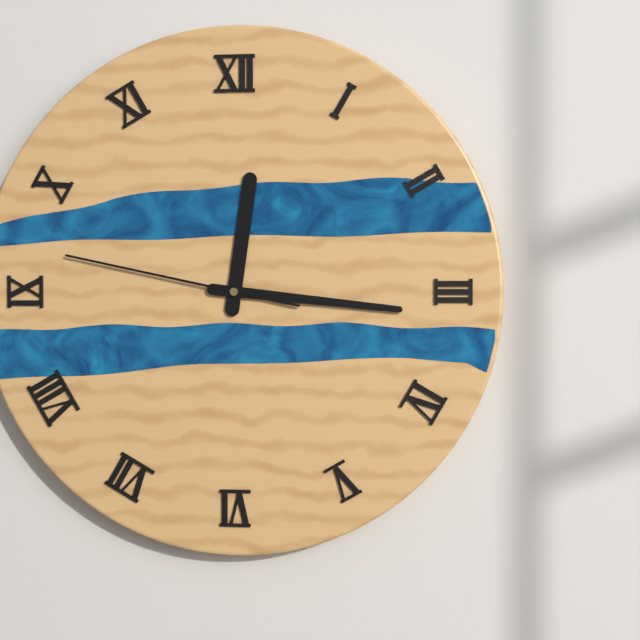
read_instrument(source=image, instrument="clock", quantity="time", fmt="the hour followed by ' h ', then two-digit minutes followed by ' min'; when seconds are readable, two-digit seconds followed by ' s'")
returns 12 h 16 min 47 s
